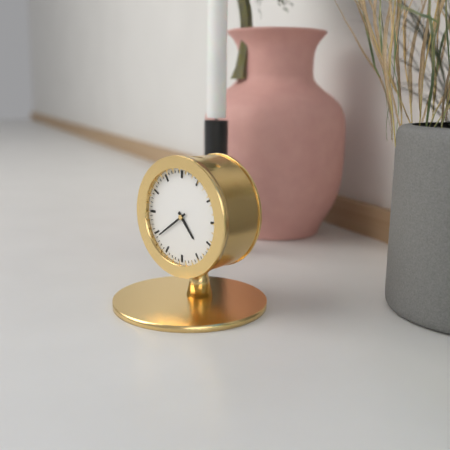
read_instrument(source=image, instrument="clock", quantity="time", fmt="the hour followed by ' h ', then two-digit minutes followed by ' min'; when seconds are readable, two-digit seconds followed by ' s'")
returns 4 h 39 min
